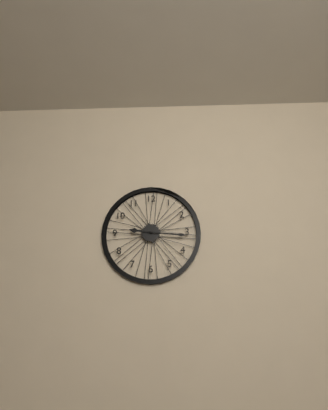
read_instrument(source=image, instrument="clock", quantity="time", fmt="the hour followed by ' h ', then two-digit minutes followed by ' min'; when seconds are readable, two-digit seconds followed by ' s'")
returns 9 h 16 min
